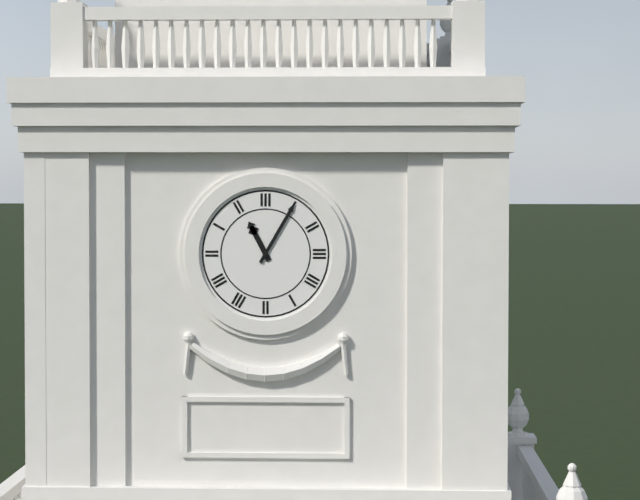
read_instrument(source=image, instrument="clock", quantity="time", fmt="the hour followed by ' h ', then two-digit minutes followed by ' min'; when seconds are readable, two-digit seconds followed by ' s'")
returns 11 h 05 min
